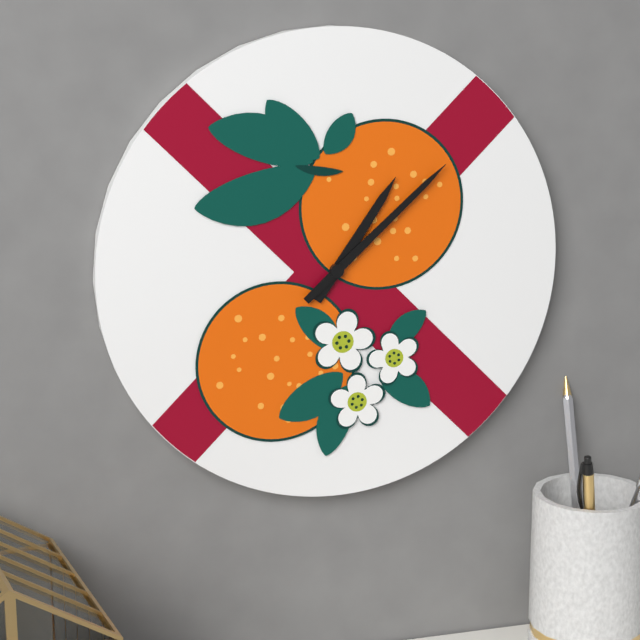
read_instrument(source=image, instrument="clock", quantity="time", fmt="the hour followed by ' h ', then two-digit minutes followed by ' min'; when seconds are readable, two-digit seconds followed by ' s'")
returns 1 h 08 min
